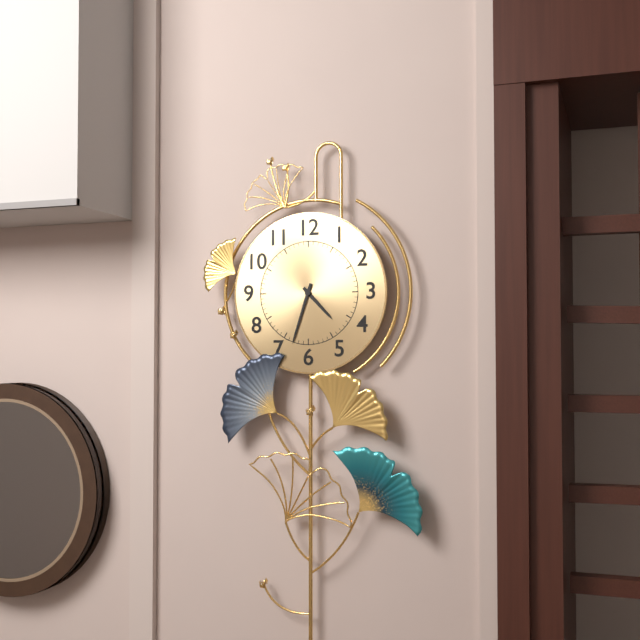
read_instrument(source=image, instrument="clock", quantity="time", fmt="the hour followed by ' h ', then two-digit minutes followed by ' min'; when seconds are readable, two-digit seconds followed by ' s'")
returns 4 h 33 min
